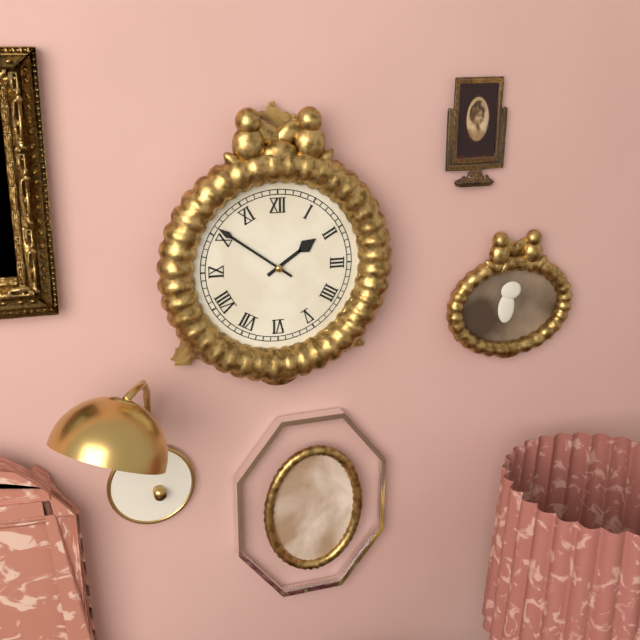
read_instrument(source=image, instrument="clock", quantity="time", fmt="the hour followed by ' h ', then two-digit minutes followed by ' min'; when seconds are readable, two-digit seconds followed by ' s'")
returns 1 h 51 min
